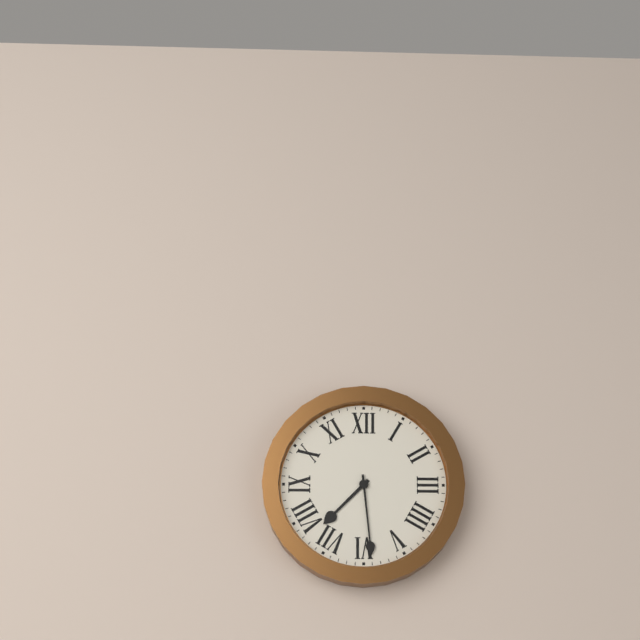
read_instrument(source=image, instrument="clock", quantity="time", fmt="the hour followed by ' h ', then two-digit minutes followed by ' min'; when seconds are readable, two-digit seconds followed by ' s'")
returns 7 h 29 min
